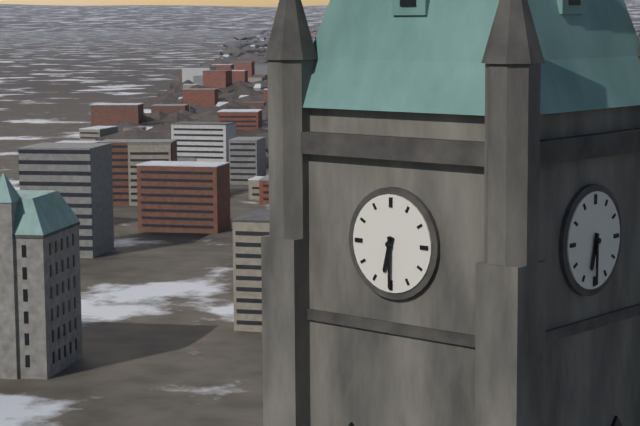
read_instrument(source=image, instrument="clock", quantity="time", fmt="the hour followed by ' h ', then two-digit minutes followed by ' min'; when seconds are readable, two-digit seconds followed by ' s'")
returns 6 h 30 min
